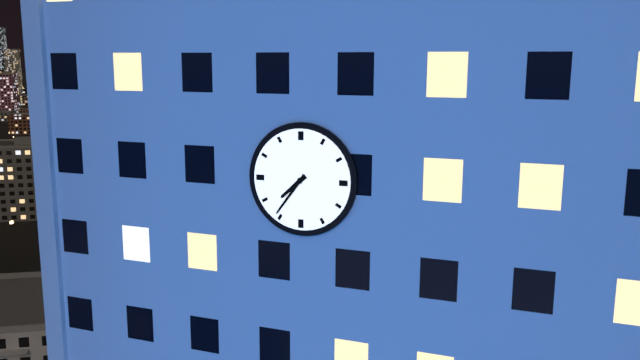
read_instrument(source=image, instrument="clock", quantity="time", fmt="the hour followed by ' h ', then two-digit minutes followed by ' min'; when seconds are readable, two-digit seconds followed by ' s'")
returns 7 h 36 min
